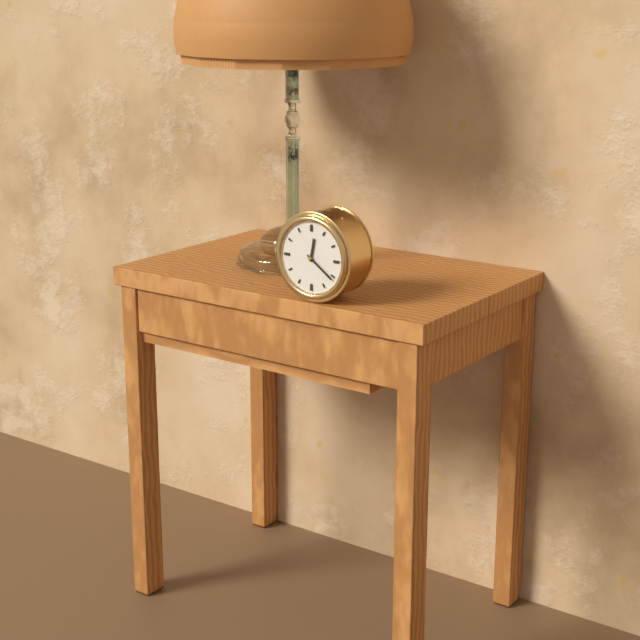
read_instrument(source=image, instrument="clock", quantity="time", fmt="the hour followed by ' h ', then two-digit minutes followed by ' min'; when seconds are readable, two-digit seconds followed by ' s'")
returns 12 h 21 min
